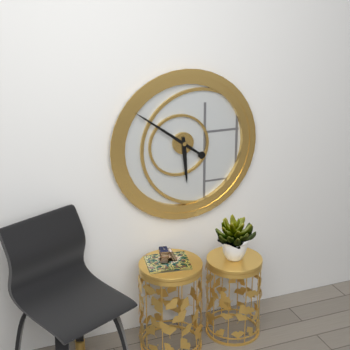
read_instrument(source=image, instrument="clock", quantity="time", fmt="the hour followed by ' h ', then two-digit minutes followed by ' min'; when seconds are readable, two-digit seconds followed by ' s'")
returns 5 h 51 min
